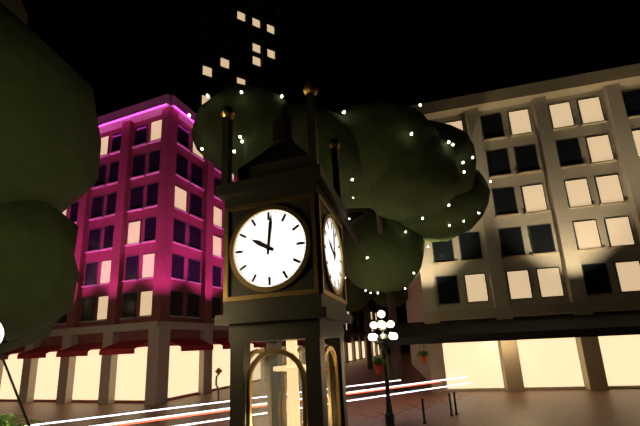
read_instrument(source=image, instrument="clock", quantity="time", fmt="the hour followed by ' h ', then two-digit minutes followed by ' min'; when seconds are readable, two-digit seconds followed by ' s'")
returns 10 h 01 min
